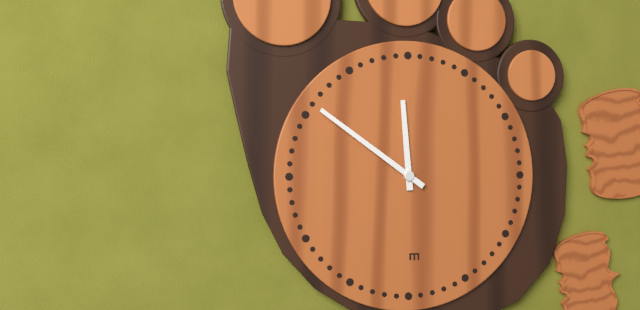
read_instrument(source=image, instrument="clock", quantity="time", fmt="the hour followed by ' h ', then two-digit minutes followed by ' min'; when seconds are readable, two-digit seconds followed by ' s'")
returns 11 h 51 min
